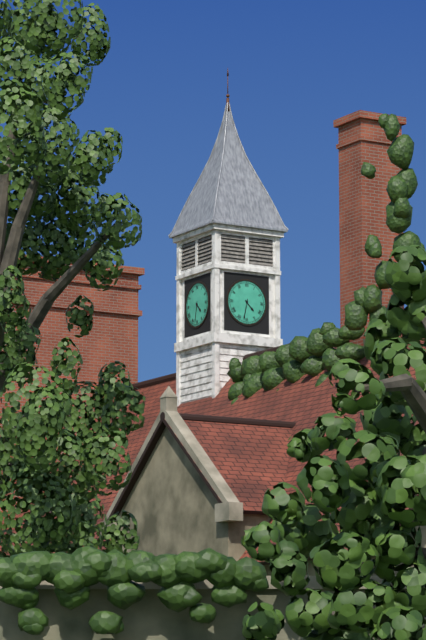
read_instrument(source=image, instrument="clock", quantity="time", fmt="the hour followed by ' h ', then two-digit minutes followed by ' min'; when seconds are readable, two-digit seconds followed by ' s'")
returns 4 h 32 min
